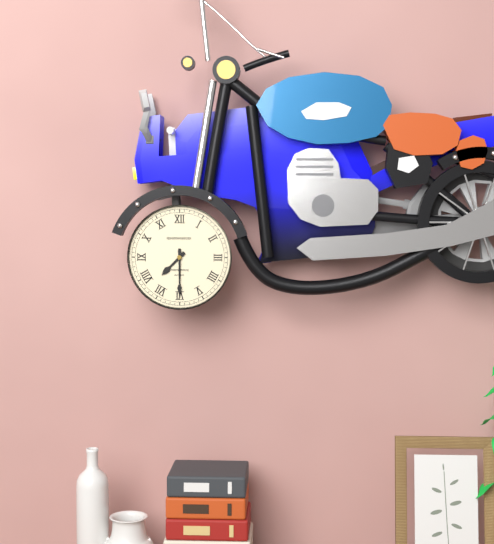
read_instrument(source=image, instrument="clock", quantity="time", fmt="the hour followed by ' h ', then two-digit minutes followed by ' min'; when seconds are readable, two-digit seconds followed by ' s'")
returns 7 h 30 min
